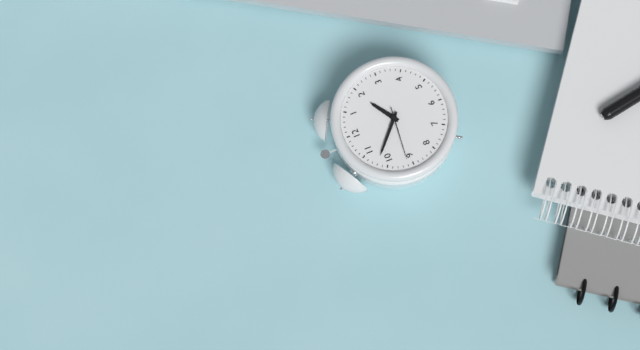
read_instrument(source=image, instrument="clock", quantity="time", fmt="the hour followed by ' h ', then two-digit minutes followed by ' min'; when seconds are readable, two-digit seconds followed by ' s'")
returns 1 h 52 min 46 s
